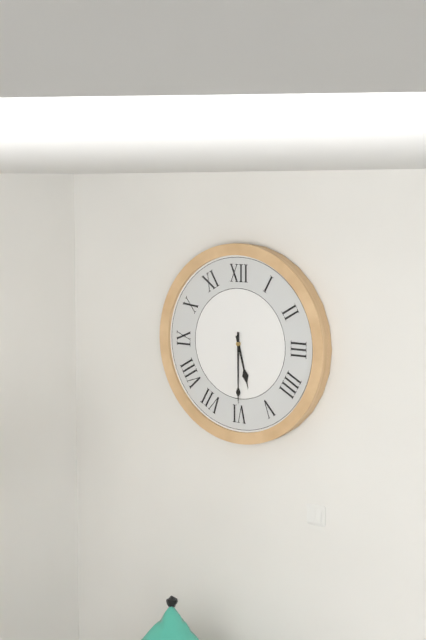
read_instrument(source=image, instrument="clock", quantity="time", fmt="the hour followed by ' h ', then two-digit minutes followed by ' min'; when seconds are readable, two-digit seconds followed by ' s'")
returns 5 h 30 min
